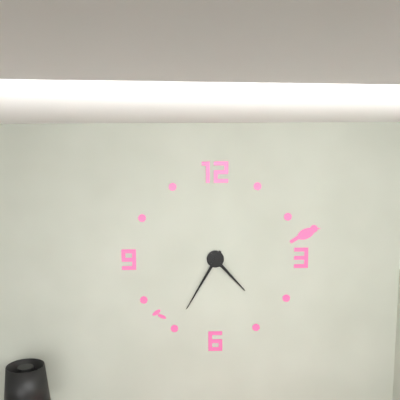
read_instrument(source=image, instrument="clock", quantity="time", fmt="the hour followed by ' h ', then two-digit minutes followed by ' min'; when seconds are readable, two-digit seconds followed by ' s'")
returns 4 h 35 min
